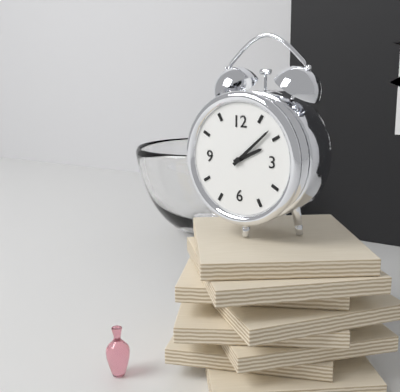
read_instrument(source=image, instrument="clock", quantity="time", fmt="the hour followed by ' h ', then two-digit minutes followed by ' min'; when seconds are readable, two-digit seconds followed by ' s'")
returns 2 h 08 min
